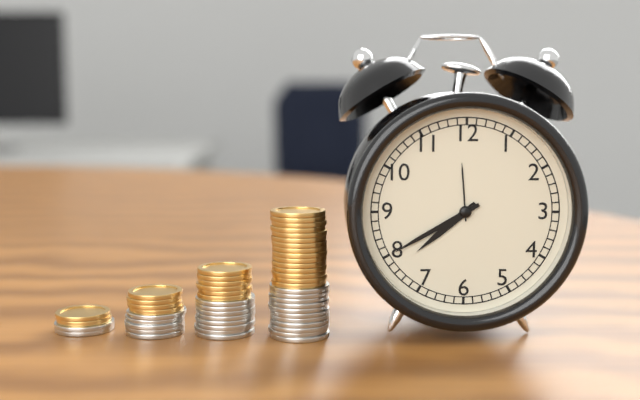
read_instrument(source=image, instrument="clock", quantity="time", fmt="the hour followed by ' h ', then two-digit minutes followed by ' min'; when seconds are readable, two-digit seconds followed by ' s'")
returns 7 h 40 min
